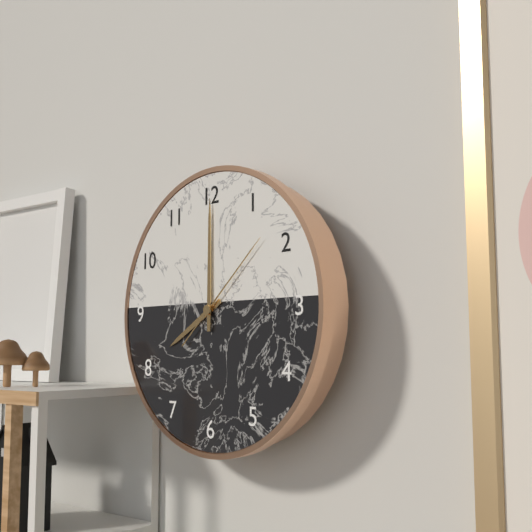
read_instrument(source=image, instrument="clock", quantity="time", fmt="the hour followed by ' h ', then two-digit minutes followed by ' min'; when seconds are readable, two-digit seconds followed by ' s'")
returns 8 h 00 min 08 s
